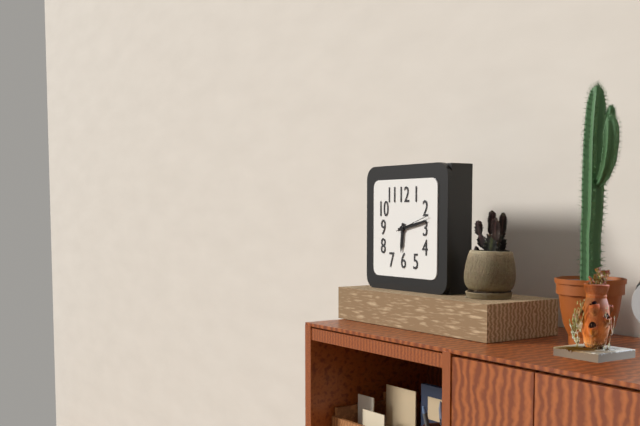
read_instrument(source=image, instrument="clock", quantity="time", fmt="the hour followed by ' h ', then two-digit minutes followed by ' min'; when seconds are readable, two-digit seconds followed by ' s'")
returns 6 h 13 min
